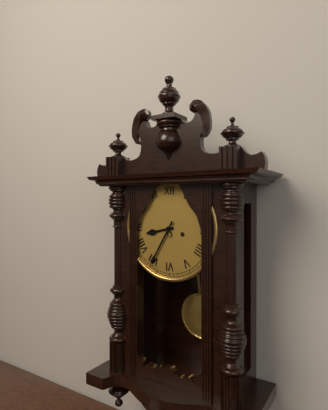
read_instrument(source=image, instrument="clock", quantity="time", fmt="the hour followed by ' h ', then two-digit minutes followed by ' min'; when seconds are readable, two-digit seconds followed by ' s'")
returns 8 h 35 min
